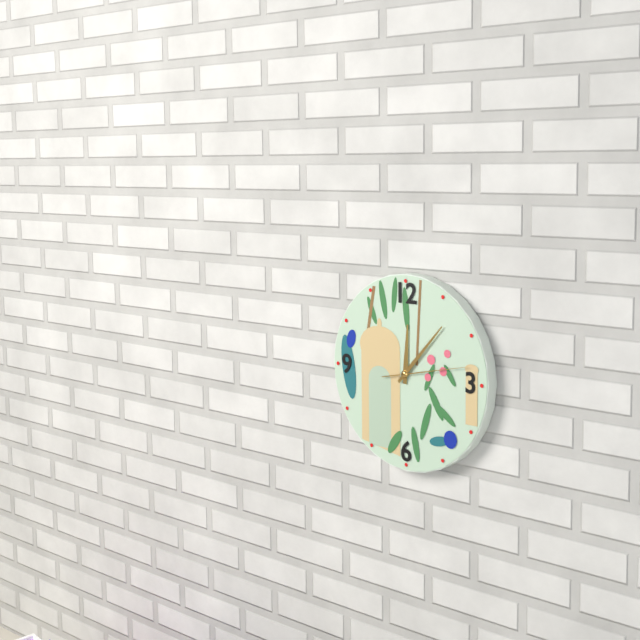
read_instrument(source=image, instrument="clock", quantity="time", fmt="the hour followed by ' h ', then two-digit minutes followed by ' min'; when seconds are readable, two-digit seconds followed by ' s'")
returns 12 h 07 min 13 s
